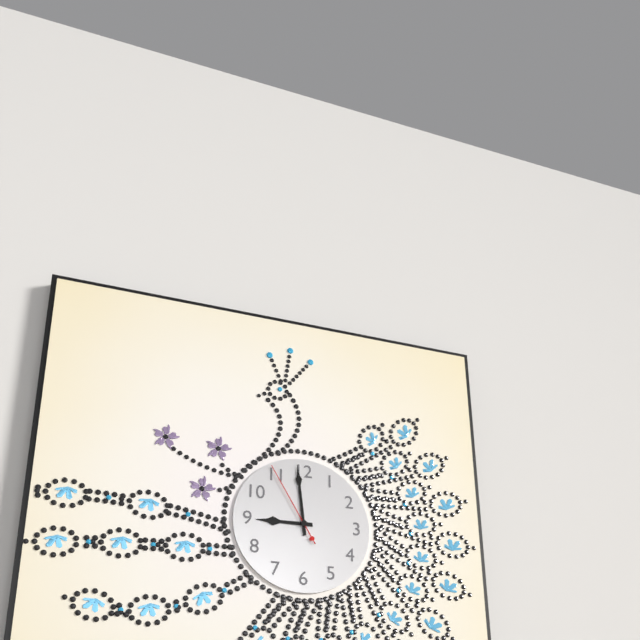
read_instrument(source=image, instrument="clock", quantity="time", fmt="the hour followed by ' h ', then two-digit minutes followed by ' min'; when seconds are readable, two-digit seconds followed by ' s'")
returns 8 h 59 min 55 s
